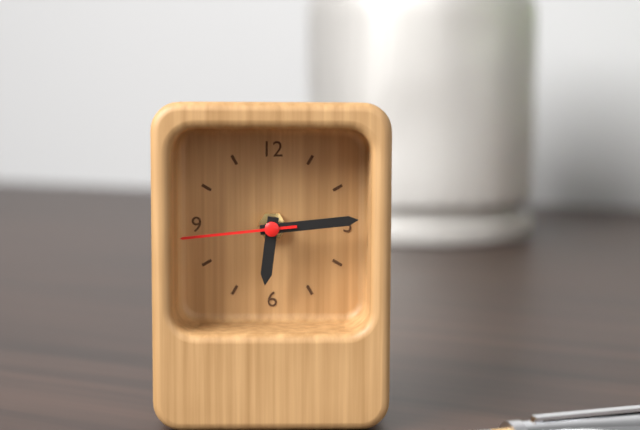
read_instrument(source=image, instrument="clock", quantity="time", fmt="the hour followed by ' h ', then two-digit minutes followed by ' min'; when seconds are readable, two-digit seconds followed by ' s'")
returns 6 h 14 min 44 s
